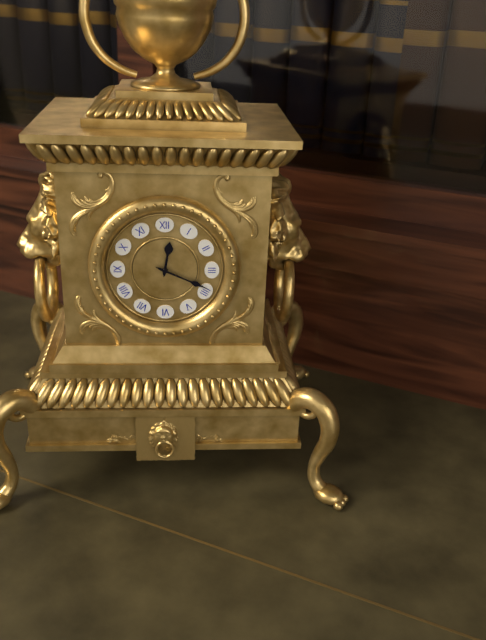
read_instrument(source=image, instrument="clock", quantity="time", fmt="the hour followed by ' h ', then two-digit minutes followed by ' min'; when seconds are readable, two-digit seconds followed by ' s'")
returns 12 h 19 min
